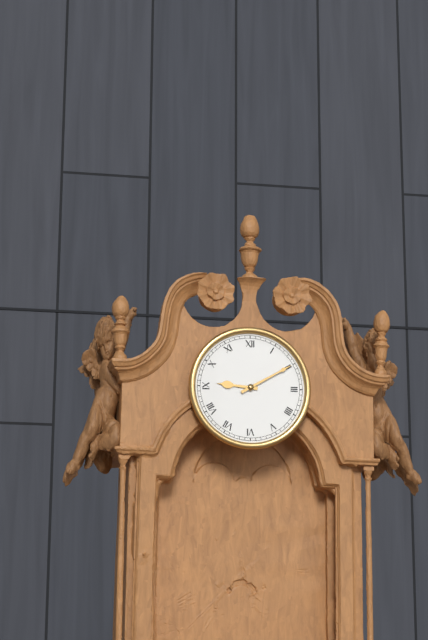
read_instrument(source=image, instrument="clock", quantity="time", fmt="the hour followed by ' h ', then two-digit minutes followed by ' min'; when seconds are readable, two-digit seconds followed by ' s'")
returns 9 h 10 min
